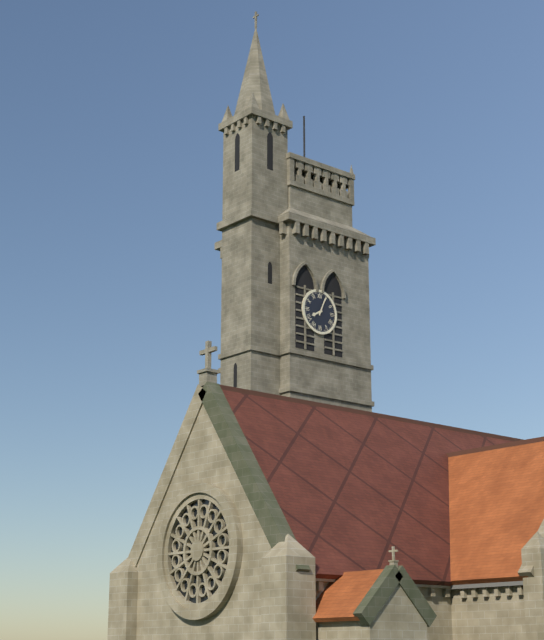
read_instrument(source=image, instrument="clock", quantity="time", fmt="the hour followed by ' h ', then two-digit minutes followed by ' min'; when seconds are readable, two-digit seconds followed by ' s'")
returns 8 h 04 min
